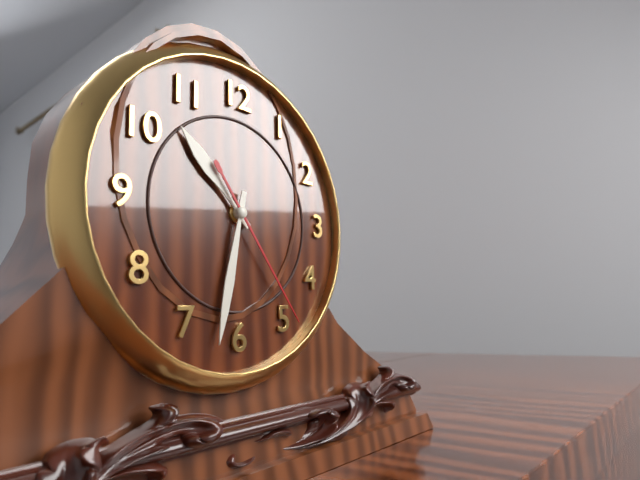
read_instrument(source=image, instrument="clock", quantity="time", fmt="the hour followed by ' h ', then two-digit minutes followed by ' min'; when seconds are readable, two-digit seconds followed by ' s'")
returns 10 h 32 min 24 s
